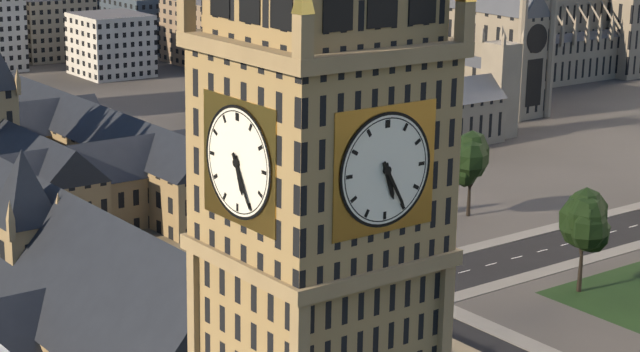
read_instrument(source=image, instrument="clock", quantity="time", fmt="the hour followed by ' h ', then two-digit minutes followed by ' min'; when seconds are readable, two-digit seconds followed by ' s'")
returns 5 h 25 min
